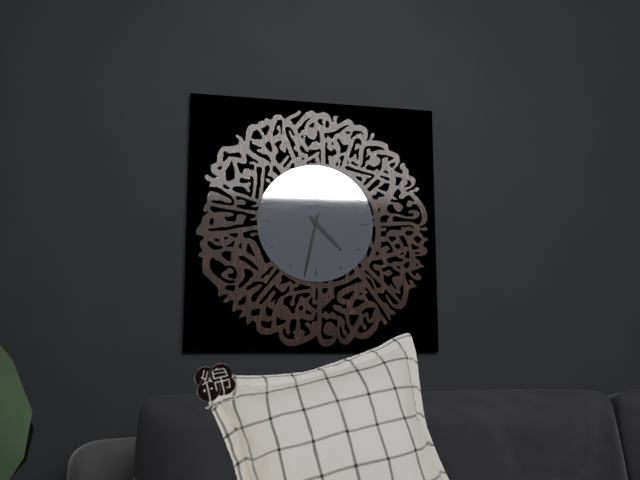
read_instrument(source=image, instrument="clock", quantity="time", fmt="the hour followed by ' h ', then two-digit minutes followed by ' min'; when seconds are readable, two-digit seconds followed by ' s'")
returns 4 h 32 min
